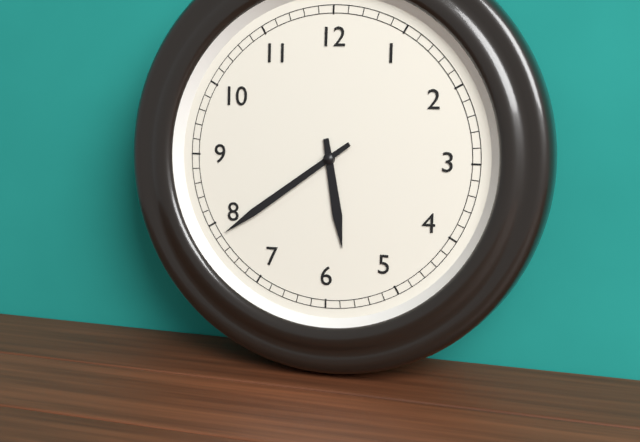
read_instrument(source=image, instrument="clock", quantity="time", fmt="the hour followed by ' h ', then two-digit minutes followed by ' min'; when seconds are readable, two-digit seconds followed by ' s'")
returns 5 h 39 min
